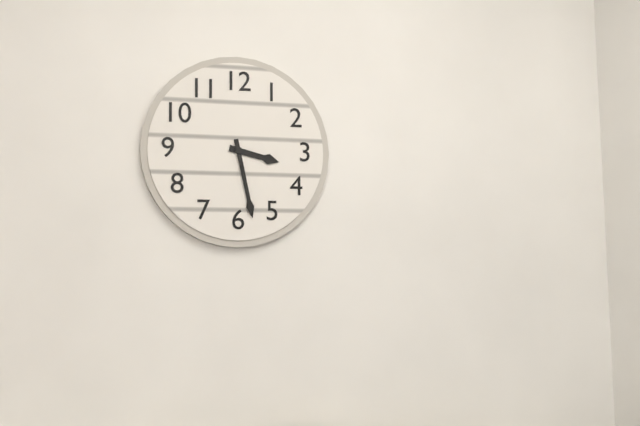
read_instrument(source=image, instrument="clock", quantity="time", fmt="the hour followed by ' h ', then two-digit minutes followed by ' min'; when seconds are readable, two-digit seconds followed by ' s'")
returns 3 h 28 min
